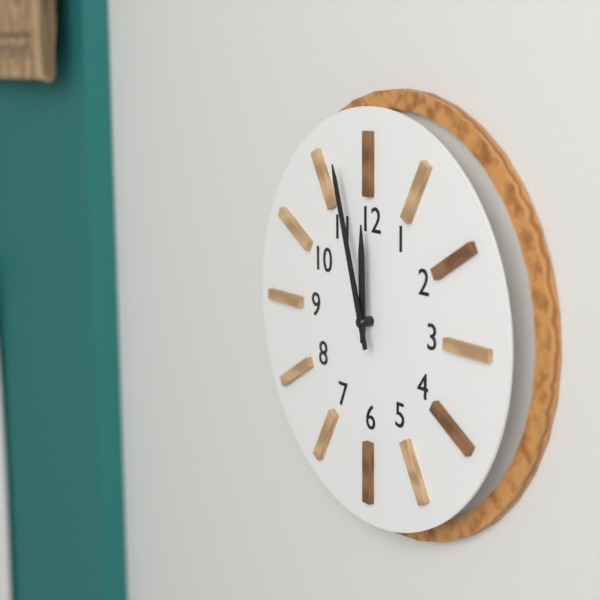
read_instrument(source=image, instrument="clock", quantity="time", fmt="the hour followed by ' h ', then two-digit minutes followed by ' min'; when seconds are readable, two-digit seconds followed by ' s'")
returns 11 h 57 min
